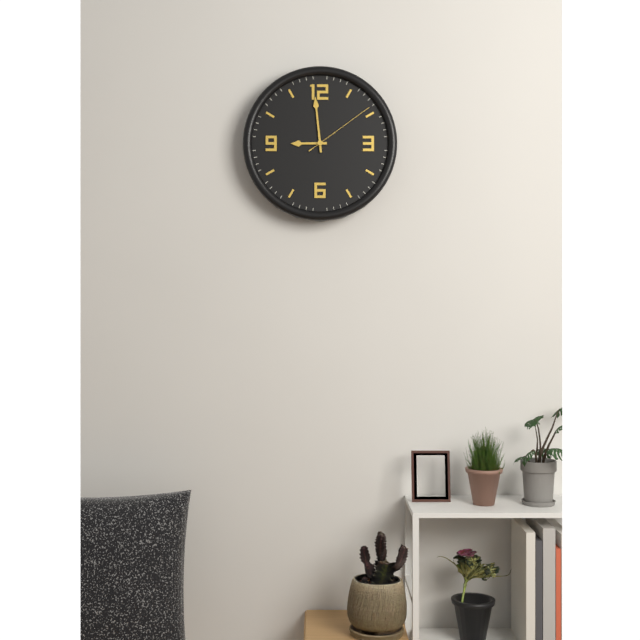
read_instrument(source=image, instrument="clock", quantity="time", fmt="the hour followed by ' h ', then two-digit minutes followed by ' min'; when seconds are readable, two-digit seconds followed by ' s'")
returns 8 h 59 min 09 s
